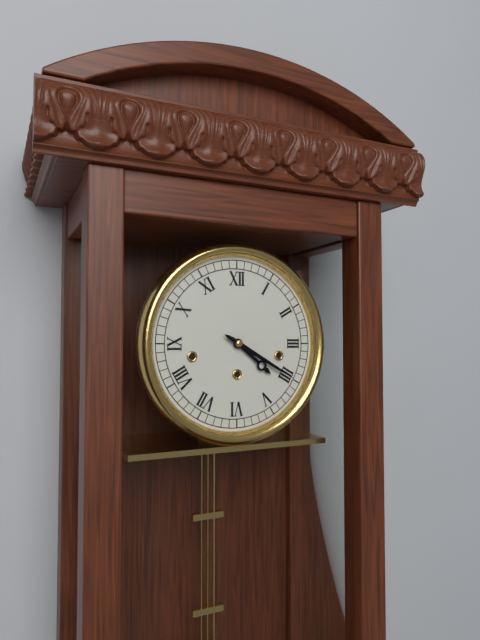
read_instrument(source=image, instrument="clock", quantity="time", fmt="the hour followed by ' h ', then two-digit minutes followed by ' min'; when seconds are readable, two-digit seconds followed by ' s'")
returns 4 h 20 min
